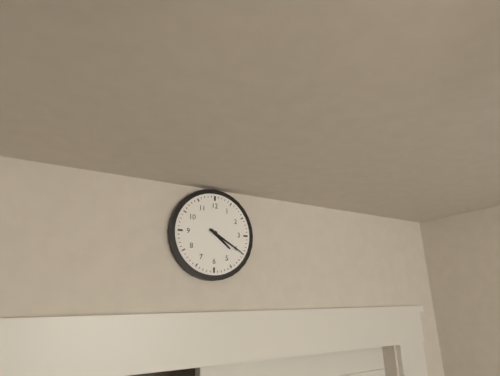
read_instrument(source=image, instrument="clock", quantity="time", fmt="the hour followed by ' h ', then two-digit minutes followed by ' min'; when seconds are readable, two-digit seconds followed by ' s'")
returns 4 h 20 min
